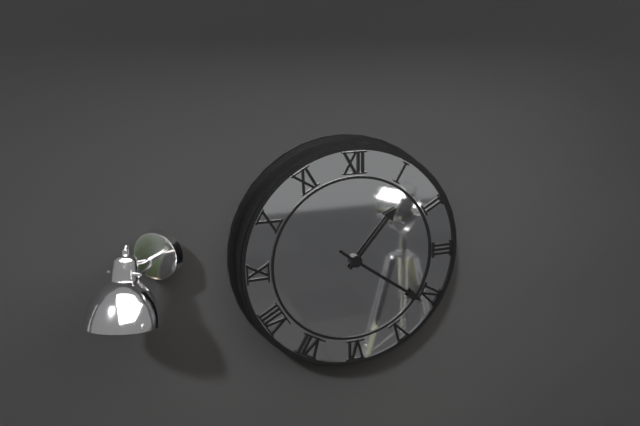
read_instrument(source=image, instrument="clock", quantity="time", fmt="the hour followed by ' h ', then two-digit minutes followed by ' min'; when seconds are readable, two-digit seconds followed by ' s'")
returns 1 h 21 min
